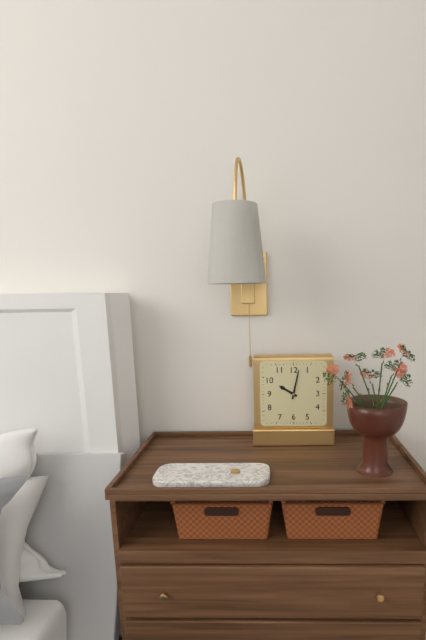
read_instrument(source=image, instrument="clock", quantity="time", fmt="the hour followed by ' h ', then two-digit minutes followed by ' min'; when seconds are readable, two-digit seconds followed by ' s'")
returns 10 h 02 min
